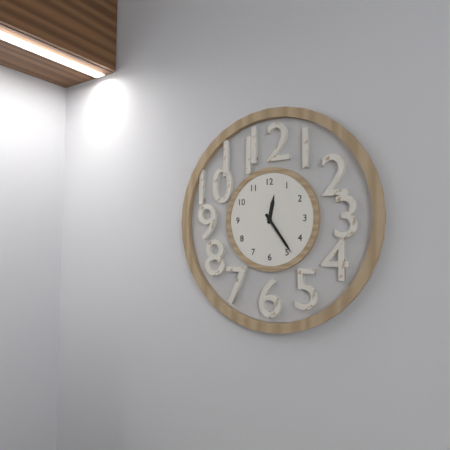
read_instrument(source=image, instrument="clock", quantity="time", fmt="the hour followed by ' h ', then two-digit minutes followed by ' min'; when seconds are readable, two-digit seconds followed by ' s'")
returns 12 h 24 min
